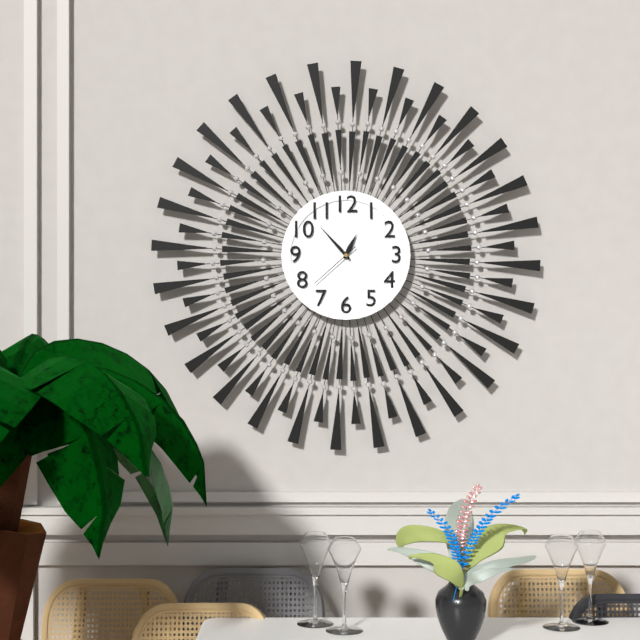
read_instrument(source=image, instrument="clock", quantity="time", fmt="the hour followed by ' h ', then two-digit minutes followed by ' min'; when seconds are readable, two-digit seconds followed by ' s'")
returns 12 h 53 min 38 s
